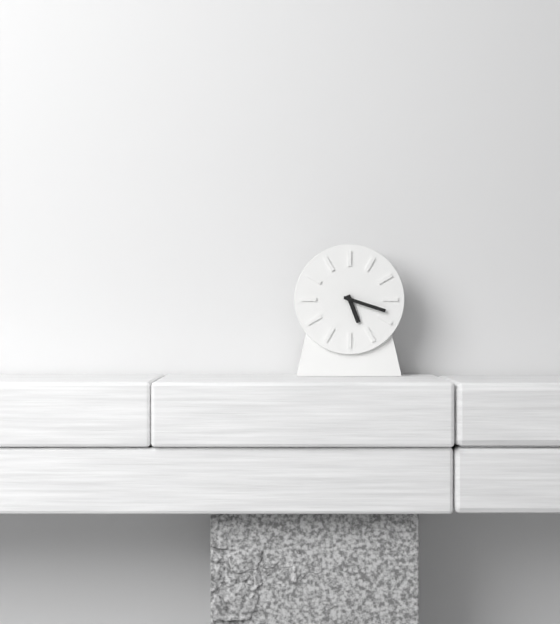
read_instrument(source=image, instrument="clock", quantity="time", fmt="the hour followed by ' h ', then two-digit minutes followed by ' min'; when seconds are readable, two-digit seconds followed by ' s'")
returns 5 h 18 min
